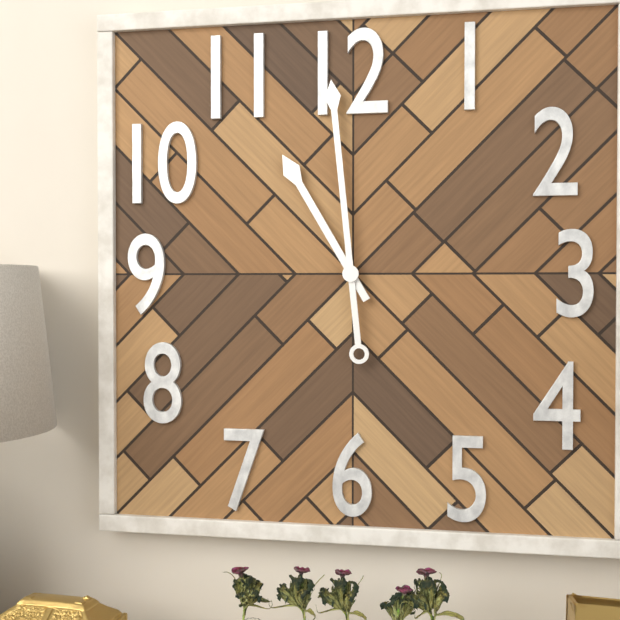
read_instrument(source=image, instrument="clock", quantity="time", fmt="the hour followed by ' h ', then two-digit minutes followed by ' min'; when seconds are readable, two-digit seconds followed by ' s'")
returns 10 h 59 min
